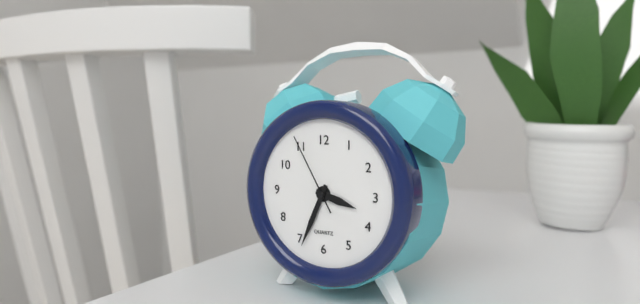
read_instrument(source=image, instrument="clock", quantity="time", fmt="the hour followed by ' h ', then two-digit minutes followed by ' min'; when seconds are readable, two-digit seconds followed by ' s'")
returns 3 h 34 min 55 s
